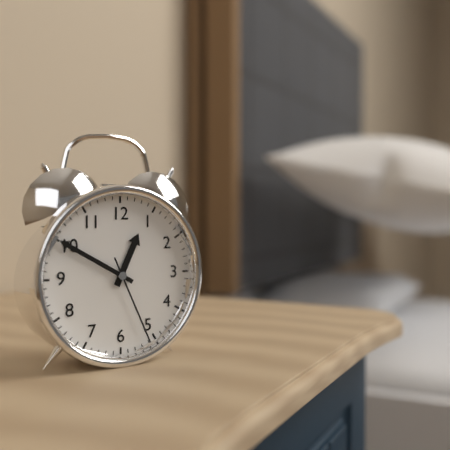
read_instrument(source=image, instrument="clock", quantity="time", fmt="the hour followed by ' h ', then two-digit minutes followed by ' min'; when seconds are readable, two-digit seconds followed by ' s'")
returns 12 h 50 min 26 s
